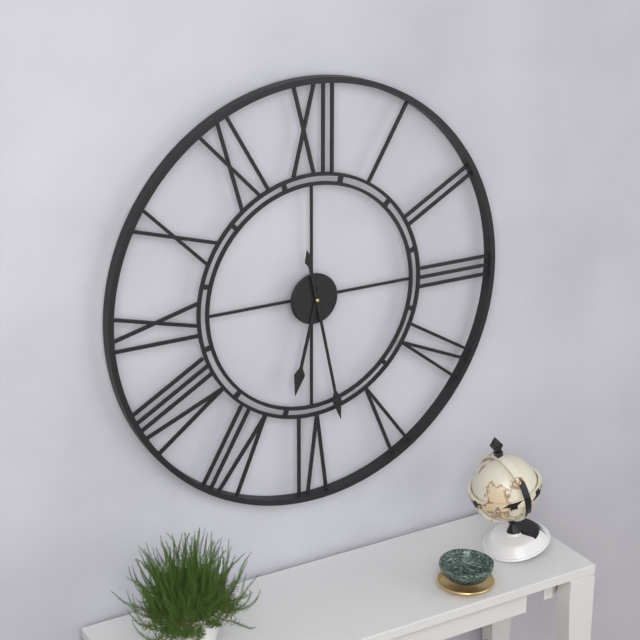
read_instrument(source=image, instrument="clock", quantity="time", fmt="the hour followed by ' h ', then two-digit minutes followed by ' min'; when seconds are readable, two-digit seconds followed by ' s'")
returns 6 h 28 min
